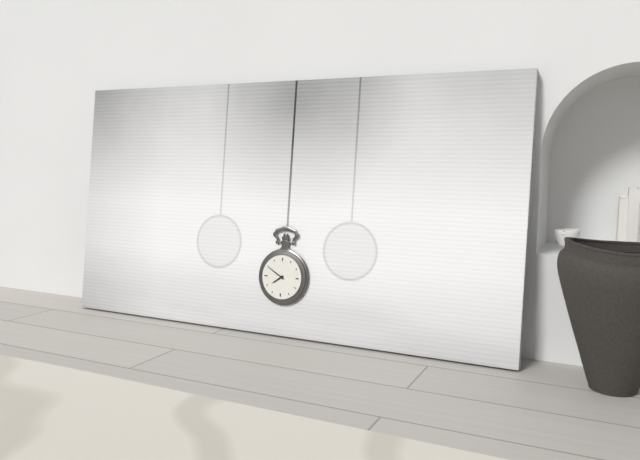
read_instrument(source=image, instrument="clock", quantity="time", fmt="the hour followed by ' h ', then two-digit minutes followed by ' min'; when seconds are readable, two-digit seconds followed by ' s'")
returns 7 h 50 min
